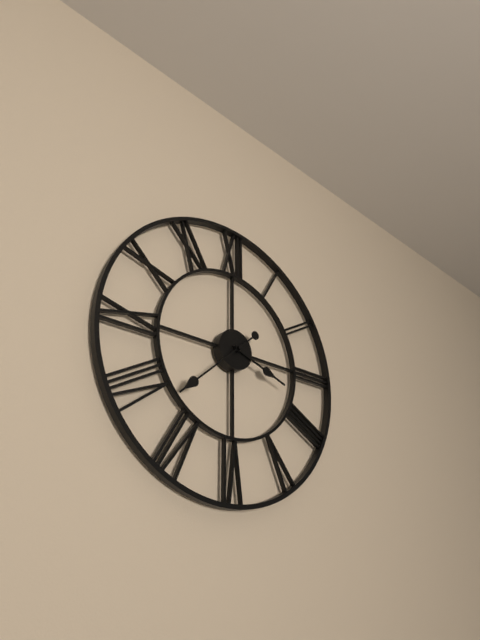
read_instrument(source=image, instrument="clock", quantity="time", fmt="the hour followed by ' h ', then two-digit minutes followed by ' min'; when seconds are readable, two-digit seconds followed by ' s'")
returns 3 h 38 min
